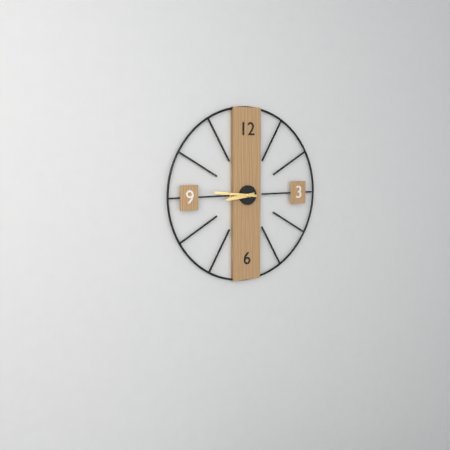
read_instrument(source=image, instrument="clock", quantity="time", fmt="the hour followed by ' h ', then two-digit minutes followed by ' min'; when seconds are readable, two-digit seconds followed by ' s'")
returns 8 h 46 min
